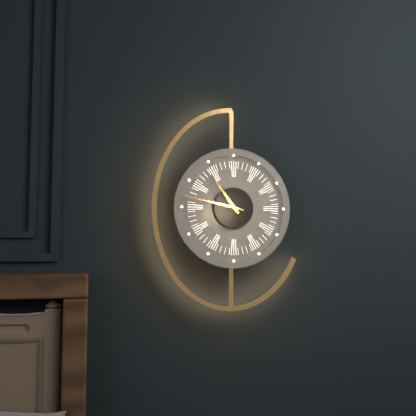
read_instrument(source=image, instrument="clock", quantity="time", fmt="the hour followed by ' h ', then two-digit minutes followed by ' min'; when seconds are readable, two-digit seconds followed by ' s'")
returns 10 h 47 min
